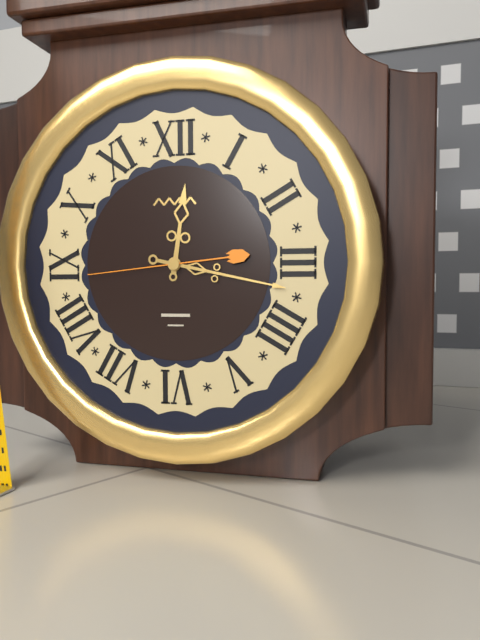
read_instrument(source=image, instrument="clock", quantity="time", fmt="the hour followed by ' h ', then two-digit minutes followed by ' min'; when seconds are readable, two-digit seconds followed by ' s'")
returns 12 h 17 min 44 s
